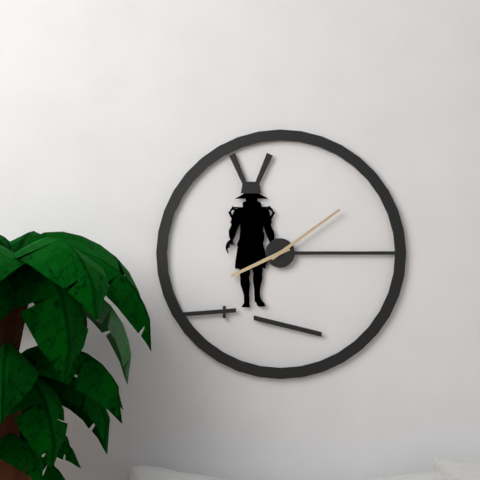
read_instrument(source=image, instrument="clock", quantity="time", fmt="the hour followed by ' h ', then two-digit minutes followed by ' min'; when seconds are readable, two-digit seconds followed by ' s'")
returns 8 h 09 min
